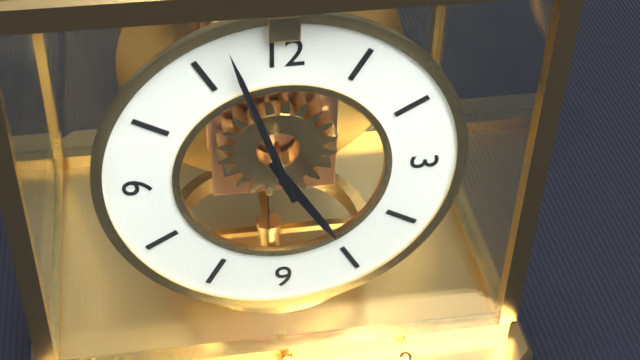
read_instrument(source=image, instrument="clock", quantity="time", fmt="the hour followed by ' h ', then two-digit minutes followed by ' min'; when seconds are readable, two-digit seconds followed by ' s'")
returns 4 h 57 min
